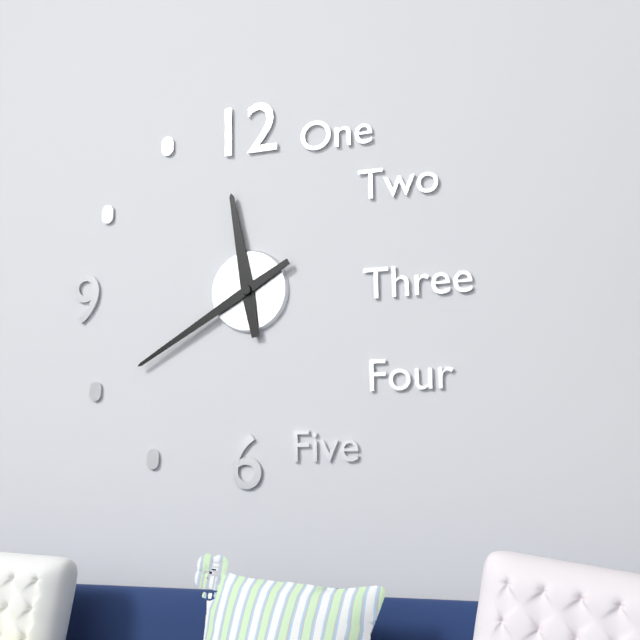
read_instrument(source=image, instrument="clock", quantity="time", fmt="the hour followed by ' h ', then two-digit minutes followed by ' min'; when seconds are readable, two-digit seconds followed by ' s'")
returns 11 h 40 min
